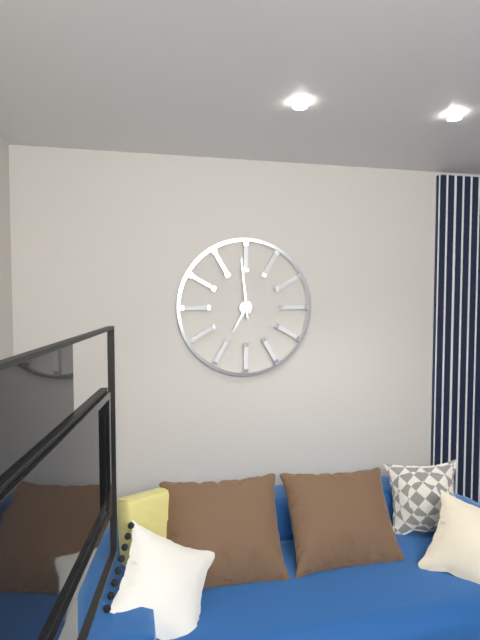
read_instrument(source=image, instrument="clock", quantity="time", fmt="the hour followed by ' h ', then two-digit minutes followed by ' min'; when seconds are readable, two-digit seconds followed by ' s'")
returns 6 h 59 min
